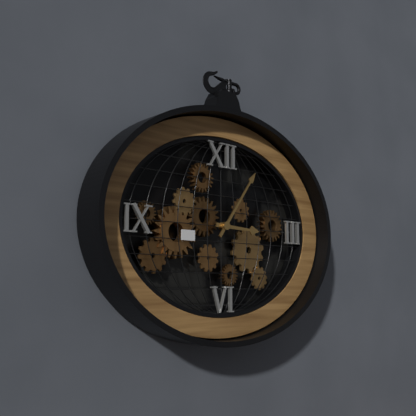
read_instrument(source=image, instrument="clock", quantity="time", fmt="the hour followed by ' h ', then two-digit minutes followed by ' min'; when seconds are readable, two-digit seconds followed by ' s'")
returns 3 h 06 min
